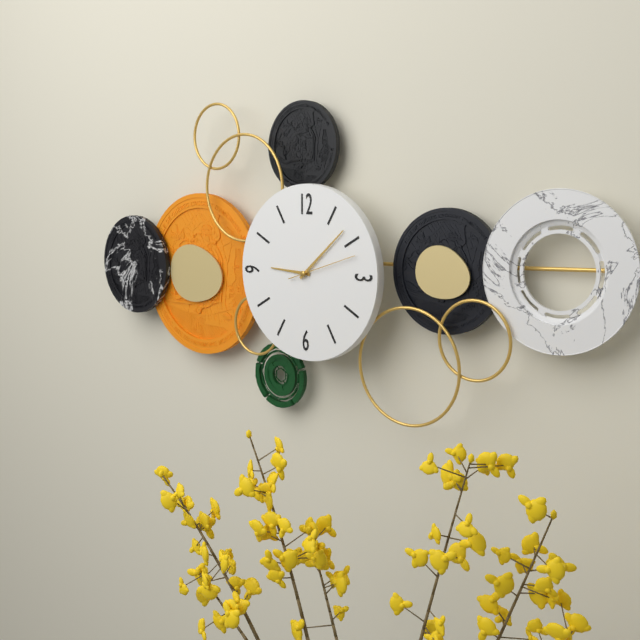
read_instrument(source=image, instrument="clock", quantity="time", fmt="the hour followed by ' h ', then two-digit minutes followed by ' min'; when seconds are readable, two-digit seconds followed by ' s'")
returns 9 h 08 min 12 s
